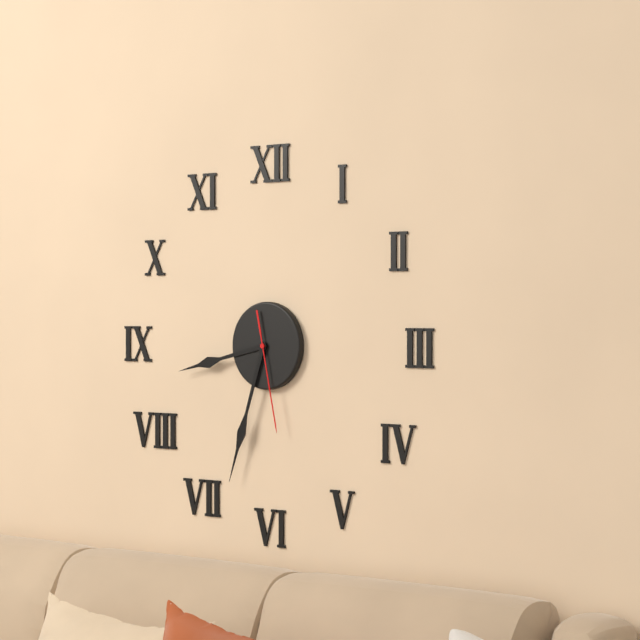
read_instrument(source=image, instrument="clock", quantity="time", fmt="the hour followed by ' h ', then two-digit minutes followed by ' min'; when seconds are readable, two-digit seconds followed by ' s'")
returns 8 h 33 min 28 s
